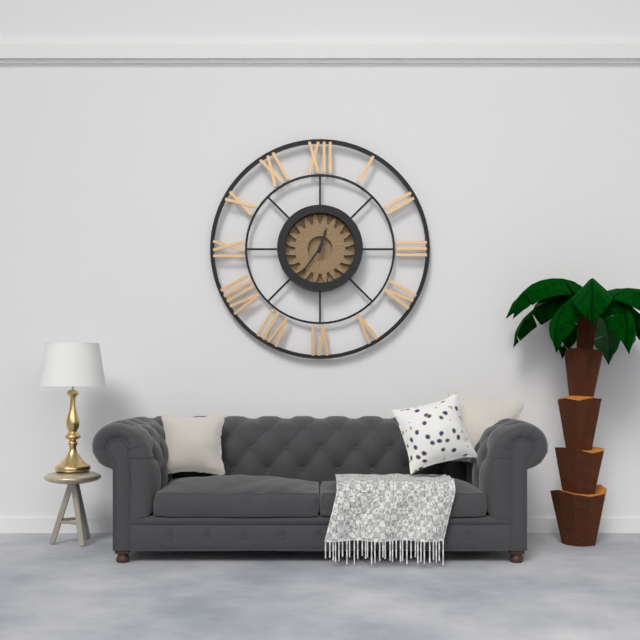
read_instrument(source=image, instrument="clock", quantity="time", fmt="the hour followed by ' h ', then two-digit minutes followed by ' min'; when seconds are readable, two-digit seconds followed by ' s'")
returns 12 h 36 min
